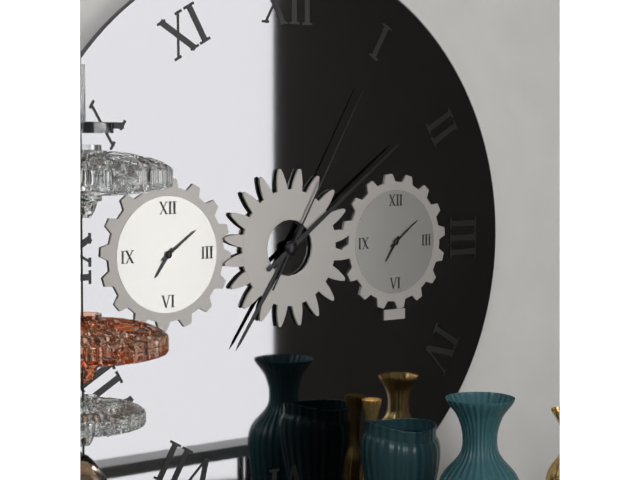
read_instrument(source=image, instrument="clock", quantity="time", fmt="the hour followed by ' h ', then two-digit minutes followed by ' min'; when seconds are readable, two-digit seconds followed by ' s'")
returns 7 h 09 min 05 s
